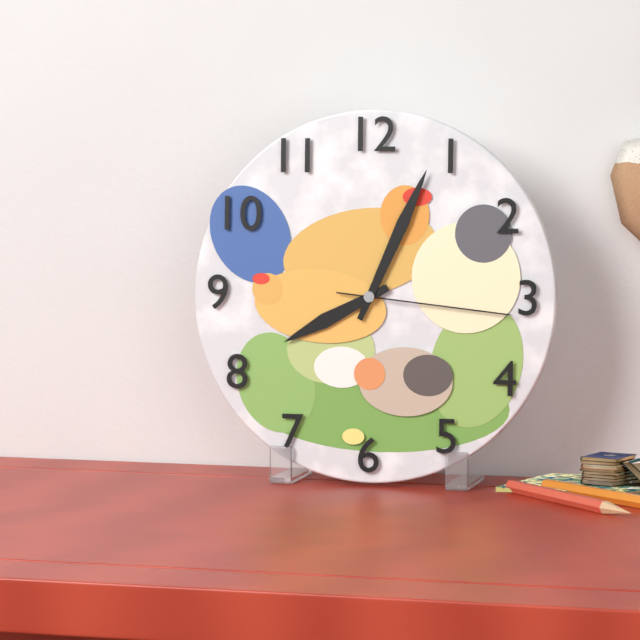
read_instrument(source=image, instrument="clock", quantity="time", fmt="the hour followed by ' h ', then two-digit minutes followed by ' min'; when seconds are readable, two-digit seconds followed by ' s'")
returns 8 h 04 min 16 s
